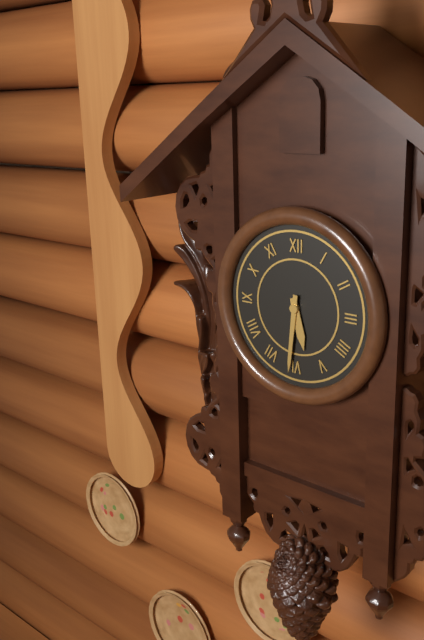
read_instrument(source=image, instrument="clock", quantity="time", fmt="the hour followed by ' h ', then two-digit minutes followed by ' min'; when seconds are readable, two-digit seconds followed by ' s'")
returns 5 h 31 min
